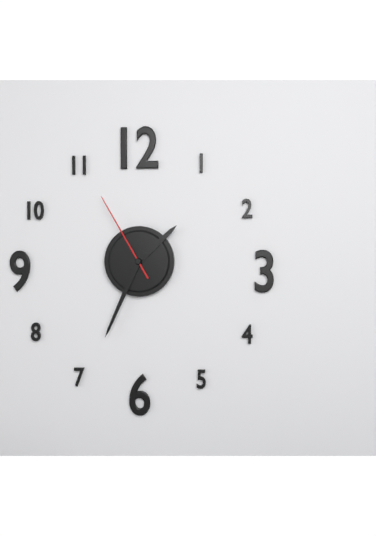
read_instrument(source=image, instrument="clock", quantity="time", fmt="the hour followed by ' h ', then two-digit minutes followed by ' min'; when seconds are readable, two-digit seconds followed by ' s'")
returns 1 h 34 min 55 s
